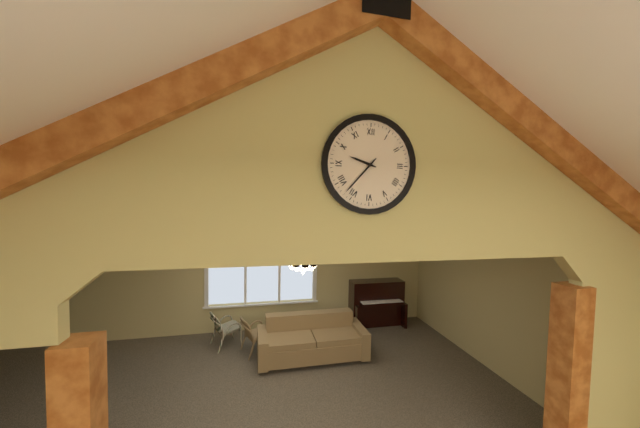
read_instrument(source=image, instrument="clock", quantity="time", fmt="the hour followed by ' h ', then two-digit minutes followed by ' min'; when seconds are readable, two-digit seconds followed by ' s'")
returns 9 h 37 min
